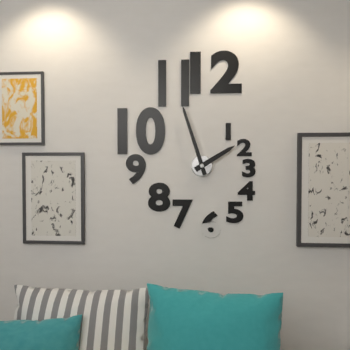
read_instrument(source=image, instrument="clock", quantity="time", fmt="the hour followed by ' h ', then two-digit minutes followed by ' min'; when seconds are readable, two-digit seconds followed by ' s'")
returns 1 h 57 min
